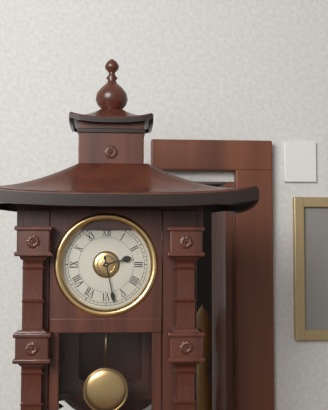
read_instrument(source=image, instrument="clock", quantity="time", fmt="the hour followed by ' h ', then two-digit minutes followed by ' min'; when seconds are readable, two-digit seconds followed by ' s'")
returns 2 h 28 min
